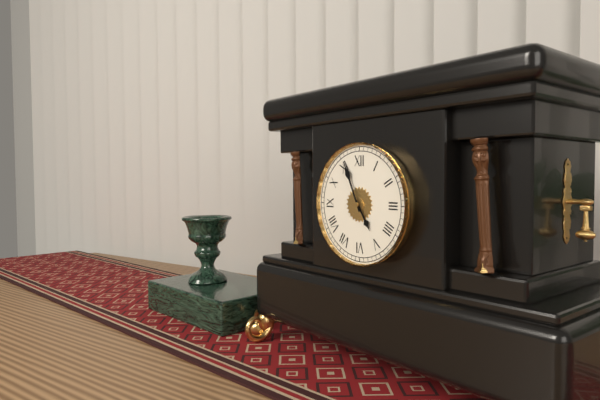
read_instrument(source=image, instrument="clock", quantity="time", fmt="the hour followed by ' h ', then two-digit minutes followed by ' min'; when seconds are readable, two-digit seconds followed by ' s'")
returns 4 h 56 min
